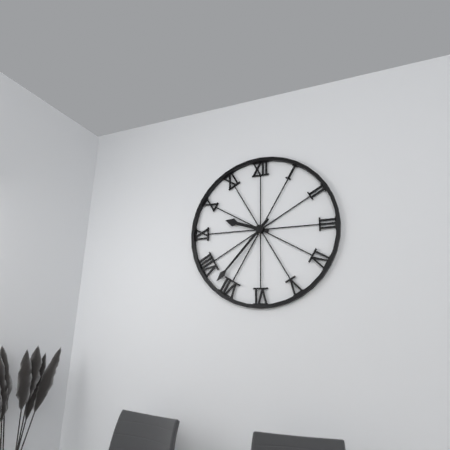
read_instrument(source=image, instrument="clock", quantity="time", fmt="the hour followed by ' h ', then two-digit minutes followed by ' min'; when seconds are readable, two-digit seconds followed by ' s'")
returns 9 h 37 min
